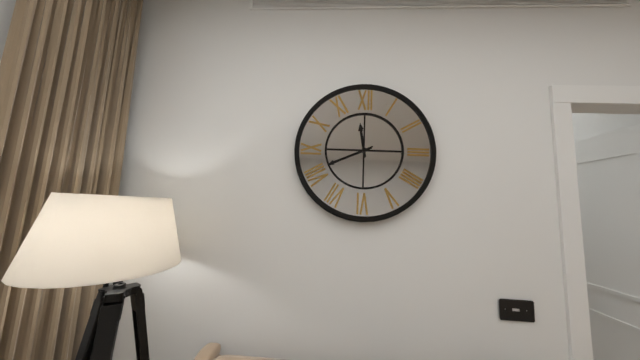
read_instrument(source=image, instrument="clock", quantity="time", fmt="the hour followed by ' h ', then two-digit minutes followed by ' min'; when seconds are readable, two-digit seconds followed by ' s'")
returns 11 h 41 min
